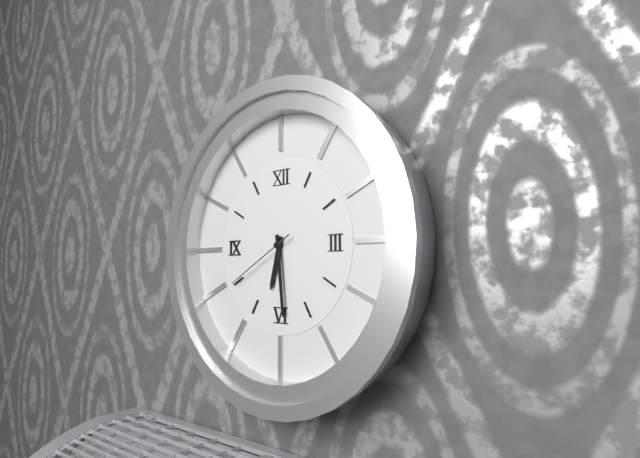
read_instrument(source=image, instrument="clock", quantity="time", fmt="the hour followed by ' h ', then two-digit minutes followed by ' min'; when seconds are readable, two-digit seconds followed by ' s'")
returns 6 h 29 min 40 s
